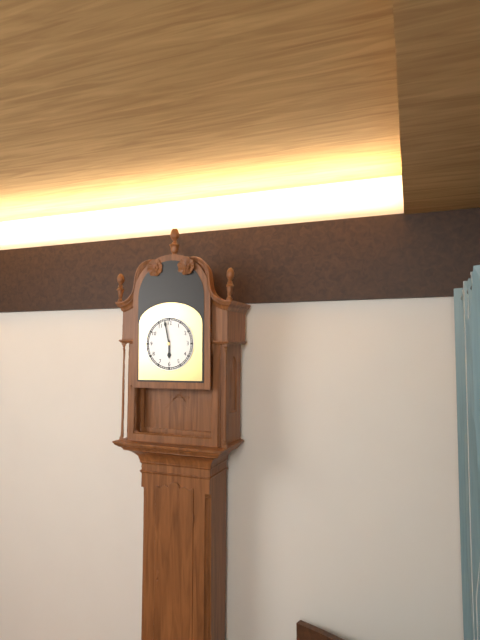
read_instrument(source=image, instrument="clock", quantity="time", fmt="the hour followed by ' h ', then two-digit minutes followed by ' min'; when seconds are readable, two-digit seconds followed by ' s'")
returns 5 h 58 min
